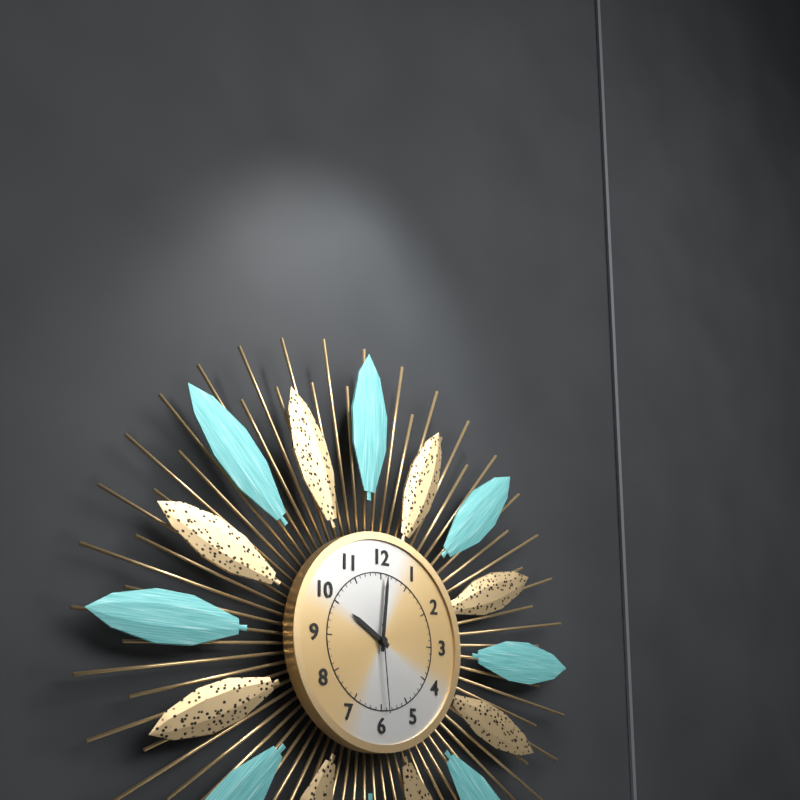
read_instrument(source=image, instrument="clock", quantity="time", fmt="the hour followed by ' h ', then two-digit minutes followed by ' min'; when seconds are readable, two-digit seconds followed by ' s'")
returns 10 h 01 min 29 s
